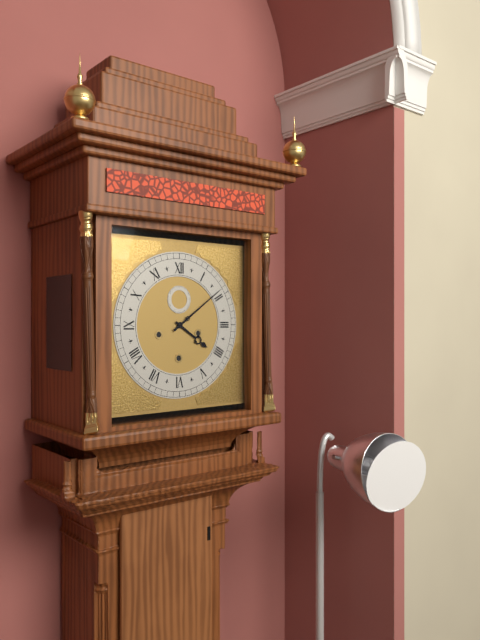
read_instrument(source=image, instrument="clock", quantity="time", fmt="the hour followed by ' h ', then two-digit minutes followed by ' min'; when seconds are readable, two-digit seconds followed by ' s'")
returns 4 h 09 min
